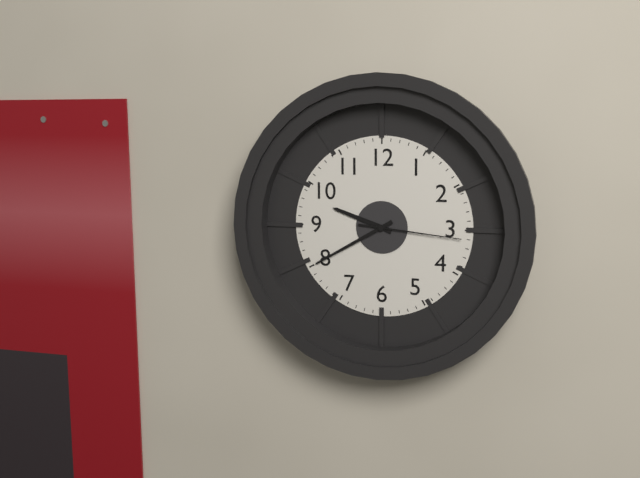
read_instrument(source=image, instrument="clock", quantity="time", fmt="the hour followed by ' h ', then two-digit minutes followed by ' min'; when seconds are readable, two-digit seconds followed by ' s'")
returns 9 h 40 min 16 s
